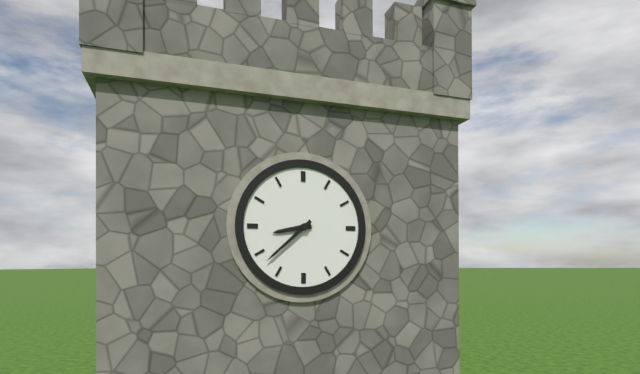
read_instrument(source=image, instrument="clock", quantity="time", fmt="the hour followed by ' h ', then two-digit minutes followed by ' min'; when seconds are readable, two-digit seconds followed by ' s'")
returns 8 h 38 min
